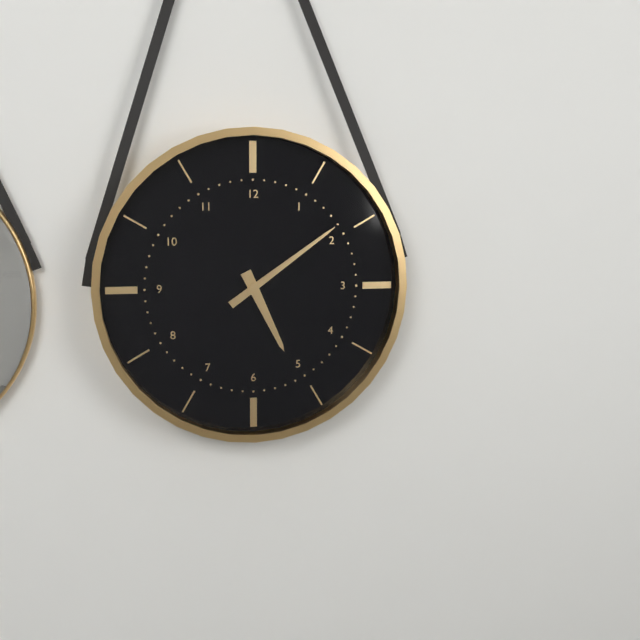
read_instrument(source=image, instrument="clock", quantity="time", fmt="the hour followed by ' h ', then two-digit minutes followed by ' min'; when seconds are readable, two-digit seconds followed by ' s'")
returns 5 h 09 min
